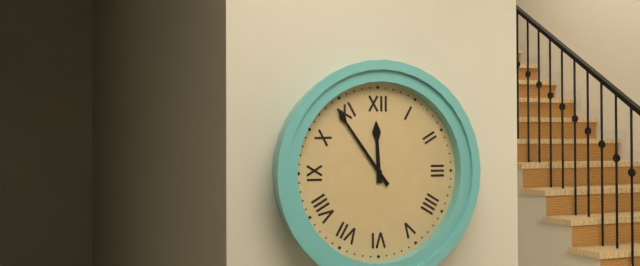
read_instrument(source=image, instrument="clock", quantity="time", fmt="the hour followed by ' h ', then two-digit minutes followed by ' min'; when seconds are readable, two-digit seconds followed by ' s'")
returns 11 h 54 min
